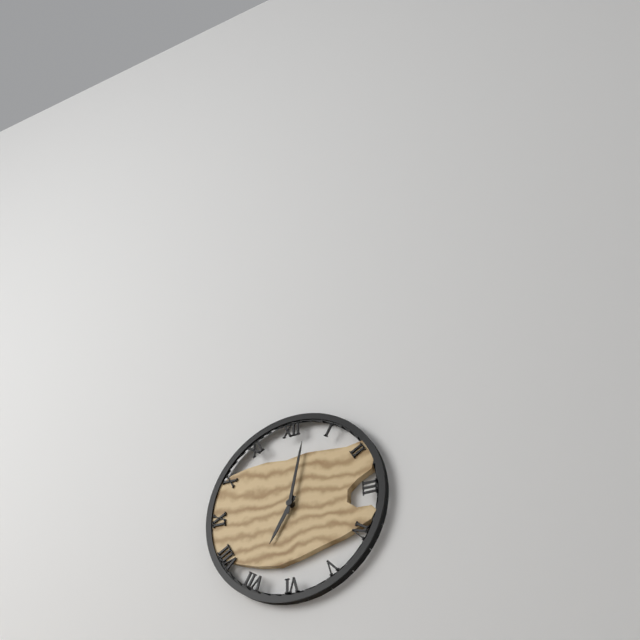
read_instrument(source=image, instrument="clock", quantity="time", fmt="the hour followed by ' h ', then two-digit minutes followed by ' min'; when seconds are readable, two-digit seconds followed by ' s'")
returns 7 h 02 min
